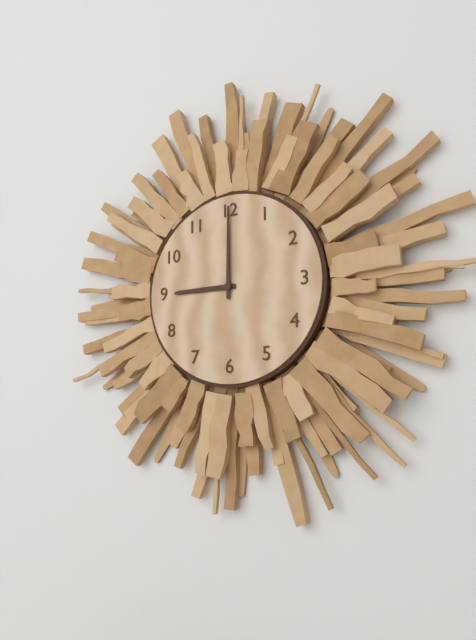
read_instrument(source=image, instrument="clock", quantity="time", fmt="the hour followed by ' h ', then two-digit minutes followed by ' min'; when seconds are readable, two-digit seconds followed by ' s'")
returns 9 h 00 min
